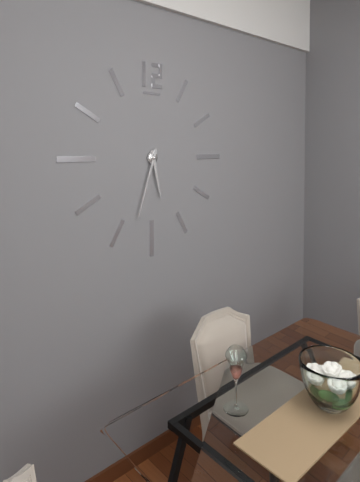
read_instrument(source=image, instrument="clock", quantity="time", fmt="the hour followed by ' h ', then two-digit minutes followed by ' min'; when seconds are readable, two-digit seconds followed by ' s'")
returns 5 h 33 min
